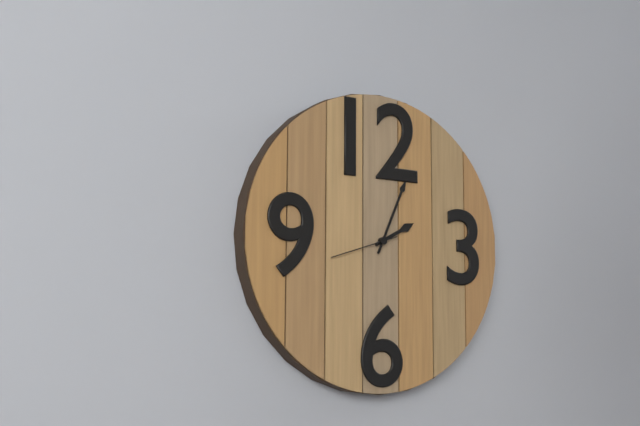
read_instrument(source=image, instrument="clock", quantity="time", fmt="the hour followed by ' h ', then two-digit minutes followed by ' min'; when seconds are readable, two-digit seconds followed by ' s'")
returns 2 h 04 min 42 s
